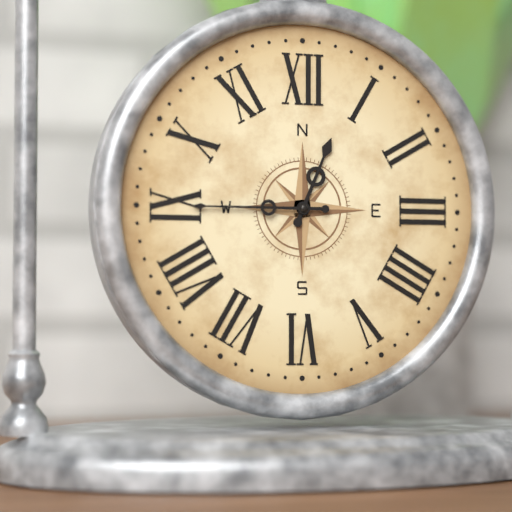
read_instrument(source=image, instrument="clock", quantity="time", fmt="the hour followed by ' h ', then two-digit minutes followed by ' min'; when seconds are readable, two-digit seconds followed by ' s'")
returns 12 h 45 min
